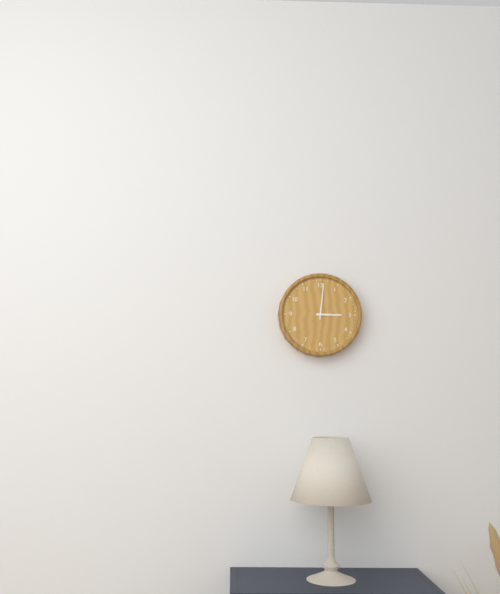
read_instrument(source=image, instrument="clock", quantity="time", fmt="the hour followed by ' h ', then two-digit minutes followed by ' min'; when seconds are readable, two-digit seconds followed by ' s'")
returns 3 h 01 min
